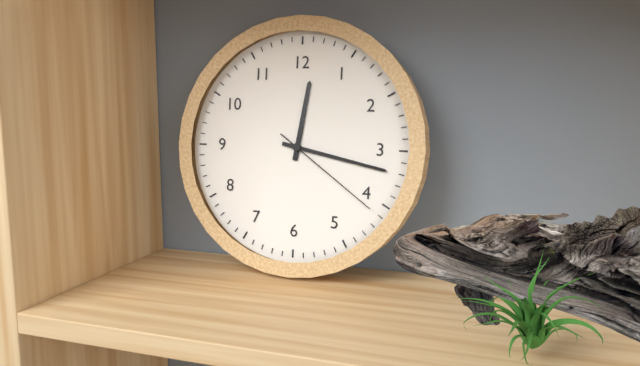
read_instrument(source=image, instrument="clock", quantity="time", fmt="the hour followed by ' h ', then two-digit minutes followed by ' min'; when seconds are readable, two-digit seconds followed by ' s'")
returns 12 h 17 min 21 s
